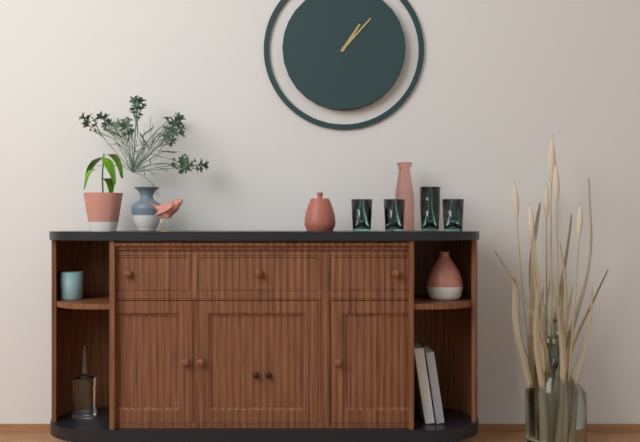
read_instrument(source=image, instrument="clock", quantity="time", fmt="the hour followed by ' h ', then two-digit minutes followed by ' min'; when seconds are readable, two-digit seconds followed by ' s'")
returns 1 h 07 min
